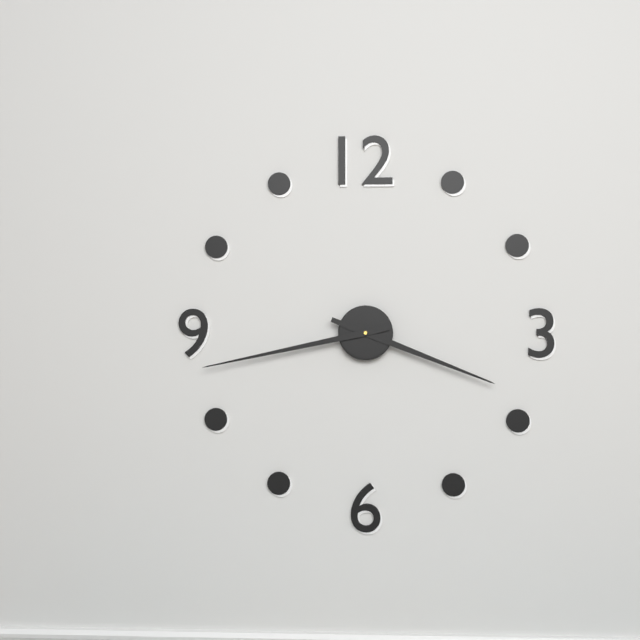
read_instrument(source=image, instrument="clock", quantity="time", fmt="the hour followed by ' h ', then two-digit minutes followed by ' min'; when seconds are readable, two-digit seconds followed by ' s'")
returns 3 h 43 min
